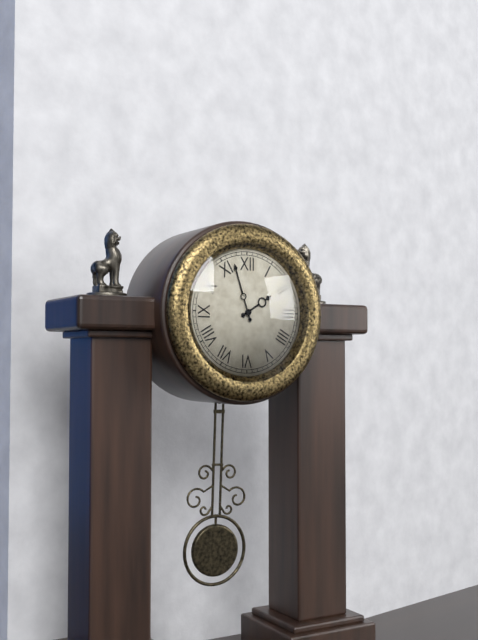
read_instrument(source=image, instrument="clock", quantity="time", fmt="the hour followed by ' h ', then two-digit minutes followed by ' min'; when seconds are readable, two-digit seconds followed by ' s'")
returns 1 h 57 min
